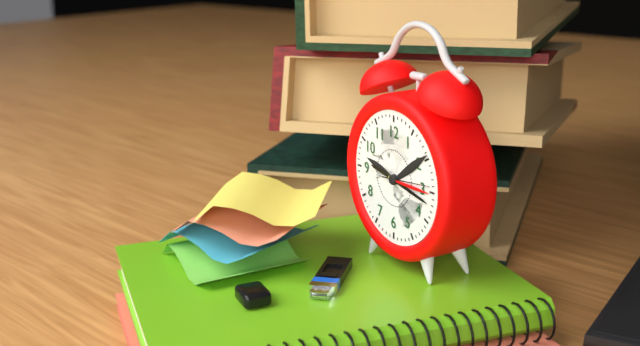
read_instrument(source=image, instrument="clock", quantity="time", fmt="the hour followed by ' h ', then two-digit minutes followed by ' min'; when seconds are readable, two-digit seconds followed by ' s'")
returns 9 h 17 min
